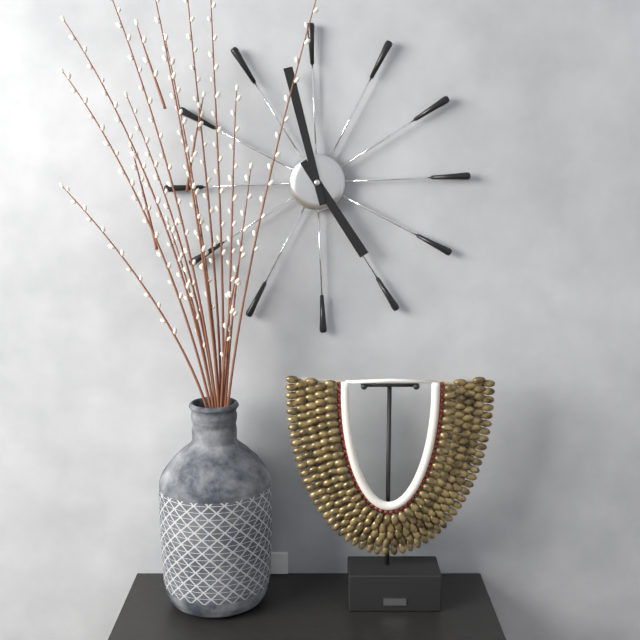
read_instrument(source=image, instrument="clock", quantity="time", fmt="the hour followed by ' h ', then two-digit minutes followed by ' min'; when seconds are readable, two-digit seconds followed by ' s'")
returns 4 h 58 min
